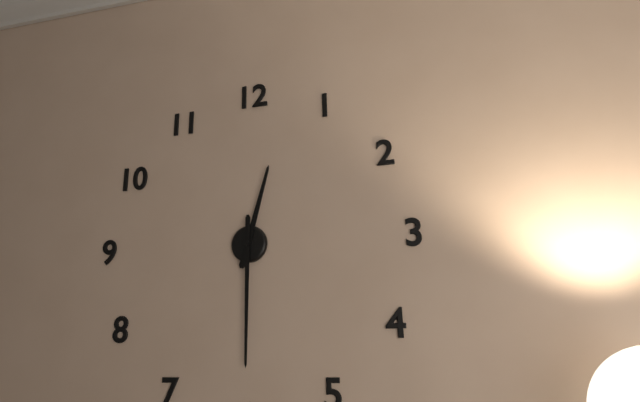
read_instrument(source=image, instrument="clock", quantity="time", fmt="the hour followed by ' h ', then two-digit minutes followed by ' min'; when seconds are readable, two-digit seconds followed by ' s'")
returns 12 h 30 min
